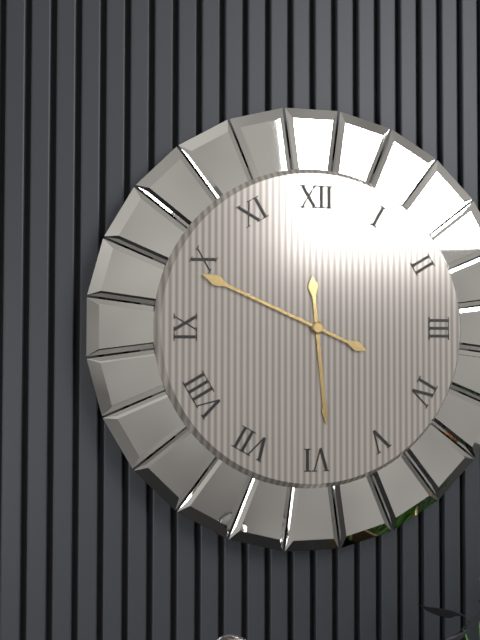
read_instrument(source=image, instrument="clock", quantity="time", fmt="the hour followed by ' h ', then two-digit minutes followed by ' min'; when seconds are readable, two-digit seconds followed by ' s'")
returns 5 h 49 min
